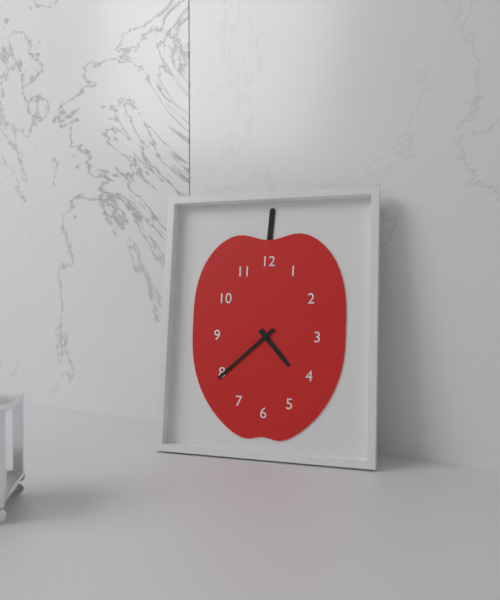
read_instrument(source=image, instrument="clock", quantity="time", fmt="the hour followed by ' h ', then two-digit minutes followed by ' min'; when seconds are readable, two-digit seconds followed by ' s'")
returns 4 h 38 min
